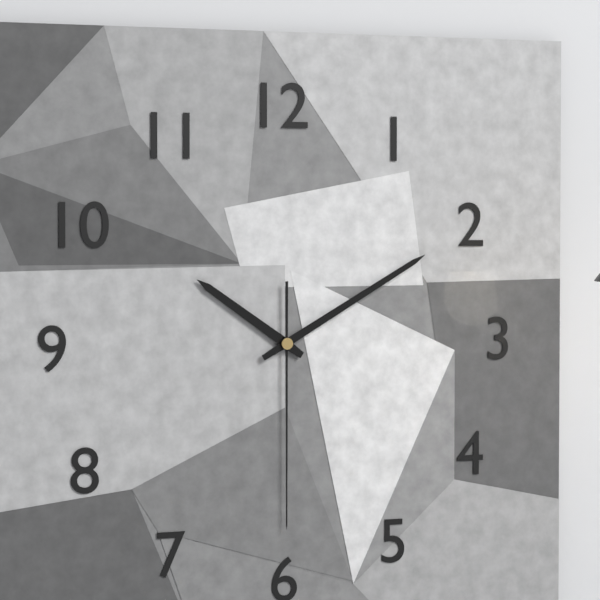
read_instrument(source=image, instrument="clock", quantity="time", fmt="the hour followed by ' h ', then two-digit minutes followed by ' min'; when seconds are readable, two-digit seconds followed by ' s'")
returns 10 h 10 min 30 s
